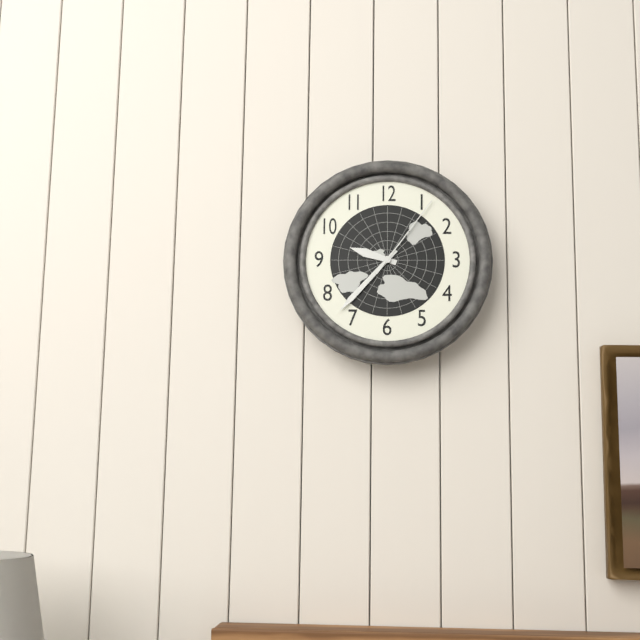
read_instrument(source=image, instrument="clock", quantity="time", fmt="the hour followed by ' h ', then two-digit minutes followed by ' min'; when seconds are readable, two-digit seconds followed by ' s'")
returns 9 h 37 min 06 s
